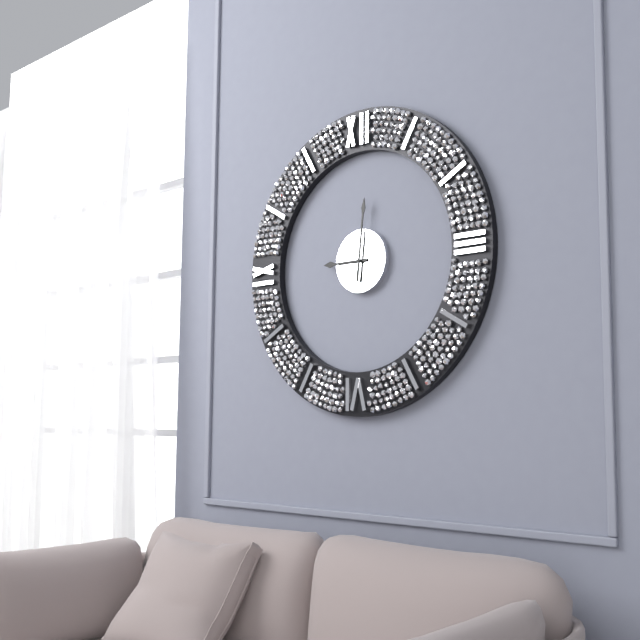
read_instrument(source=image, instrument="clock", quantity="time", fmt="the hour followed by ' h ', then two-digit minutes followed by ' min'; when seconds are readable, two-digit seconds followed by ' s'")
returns 9 h 01 min
